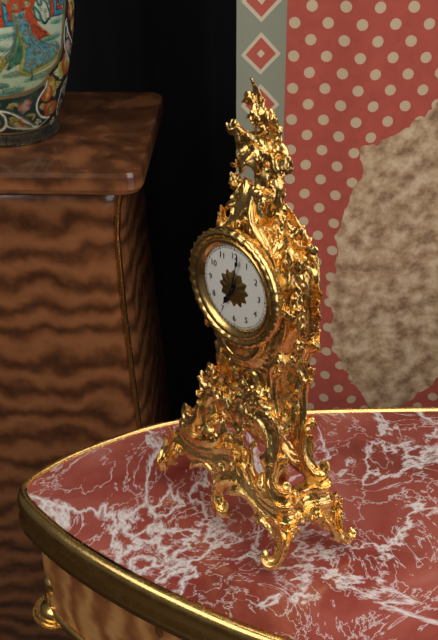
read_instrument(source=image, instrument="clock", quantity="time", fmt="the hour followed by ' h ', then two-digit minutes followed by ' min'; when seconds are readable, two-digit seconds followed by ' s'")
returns 7 h 02 min
